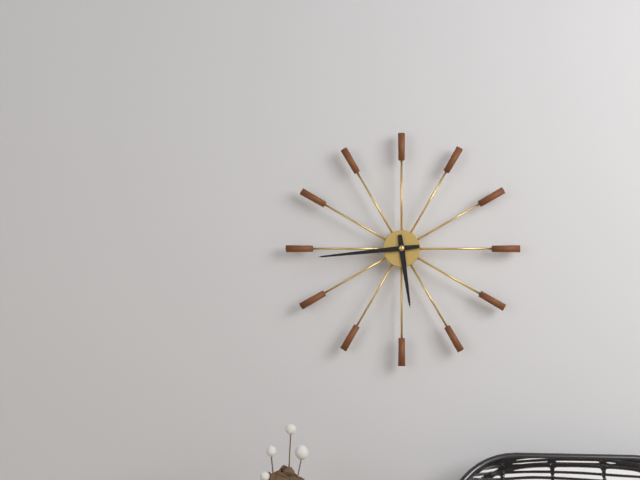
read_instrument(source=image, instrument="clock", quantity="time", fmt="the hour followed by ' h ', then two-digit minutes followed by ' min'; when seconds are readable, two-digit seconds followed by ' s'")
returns 5 h 44 min
